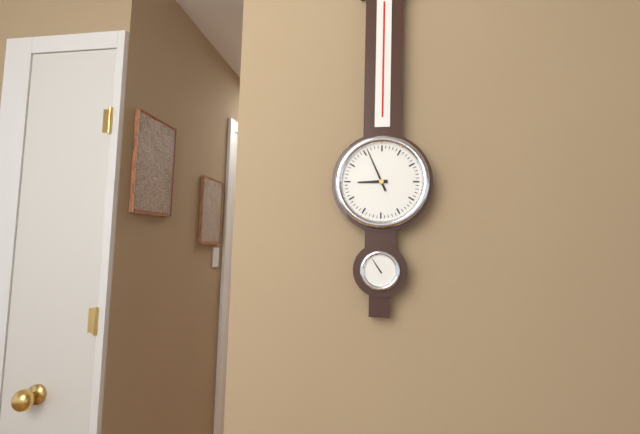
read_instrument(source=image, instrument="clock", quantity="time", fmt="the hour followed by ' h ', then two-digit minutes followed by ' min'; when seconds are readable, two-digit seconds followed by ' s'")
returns 8 h 56 min
